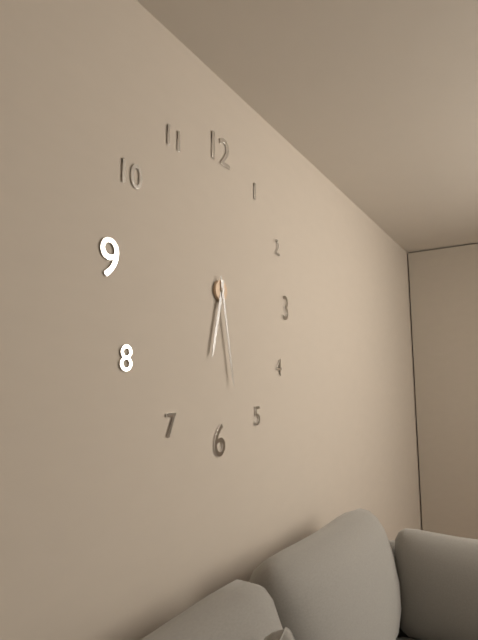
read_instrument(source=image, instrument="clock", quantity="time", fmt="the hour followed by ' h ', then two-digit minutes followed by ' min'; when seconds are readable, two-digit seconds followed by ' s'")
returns 6 h 28 min
